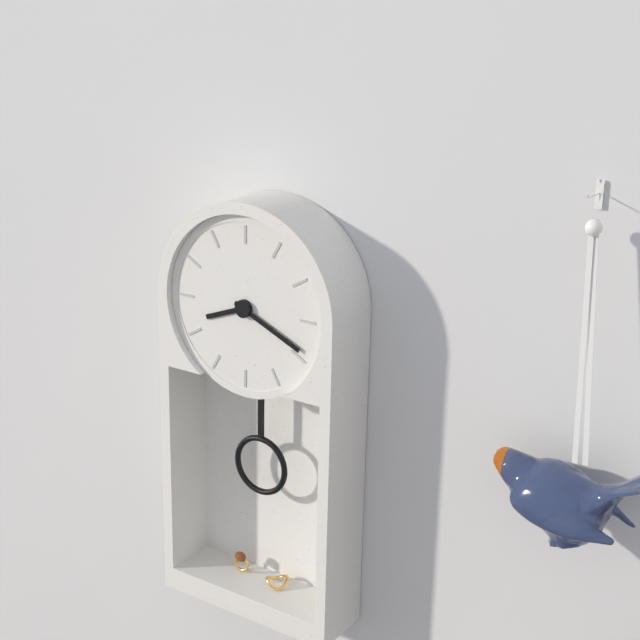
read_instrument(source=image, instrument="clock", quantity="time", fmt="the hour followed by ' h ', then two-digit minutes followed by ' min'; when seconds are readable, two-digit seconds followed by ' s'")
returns 8 h 19 min
